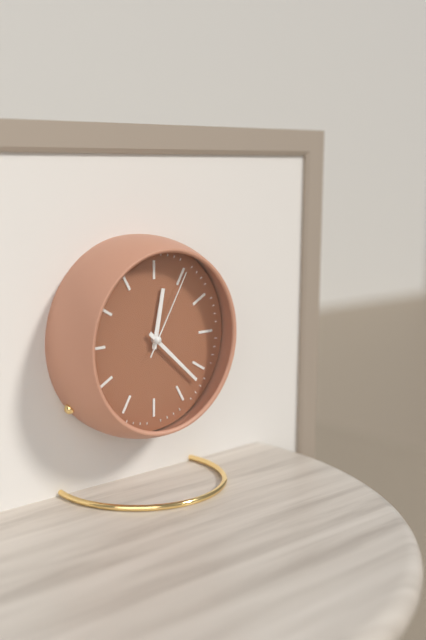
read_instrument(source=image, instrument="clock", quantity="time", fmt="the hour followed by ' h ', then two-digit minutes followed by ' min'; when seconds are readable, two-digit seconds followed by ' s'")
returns 12 h 22 min 05 s
